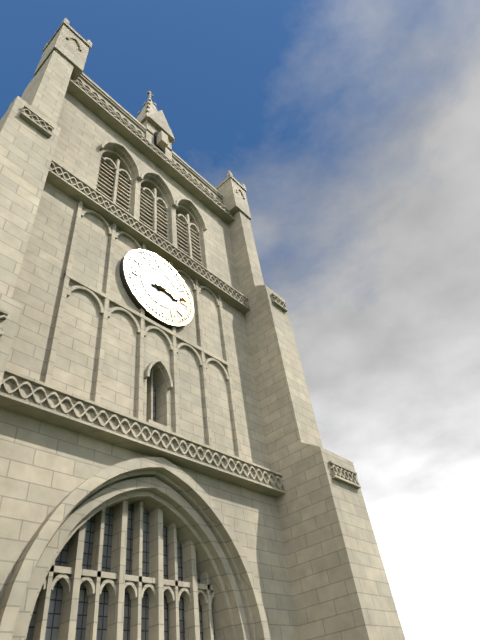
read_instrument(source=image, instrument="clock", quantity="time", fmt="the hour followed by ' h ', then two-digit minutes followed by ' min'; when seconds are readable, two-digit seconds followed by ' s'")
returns 3 h 14 min
